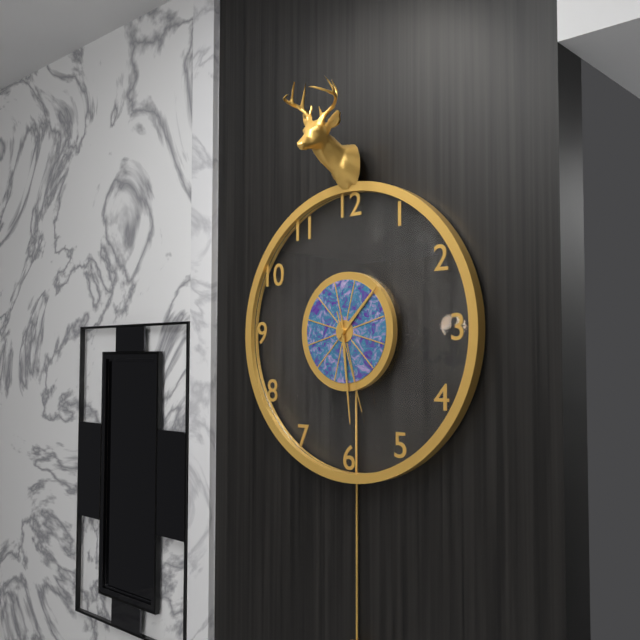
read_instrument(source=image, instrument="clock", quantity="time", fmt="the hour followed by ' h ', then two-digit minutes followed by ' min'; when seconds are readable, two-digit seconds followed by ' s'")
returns 1 h 29 min 27 s
